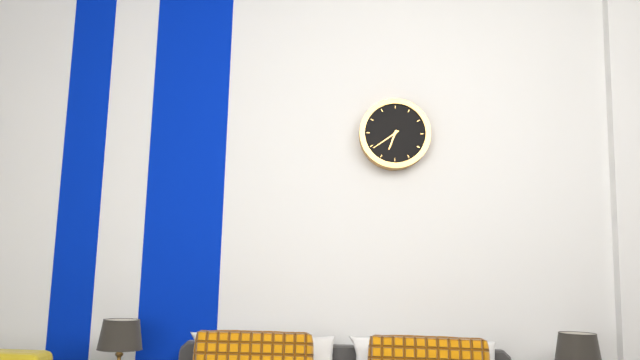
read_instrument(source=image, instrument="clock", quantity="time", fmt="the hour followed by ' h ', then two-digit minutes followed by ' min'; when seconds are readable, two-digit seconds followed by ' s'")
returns 6 h 39 min
